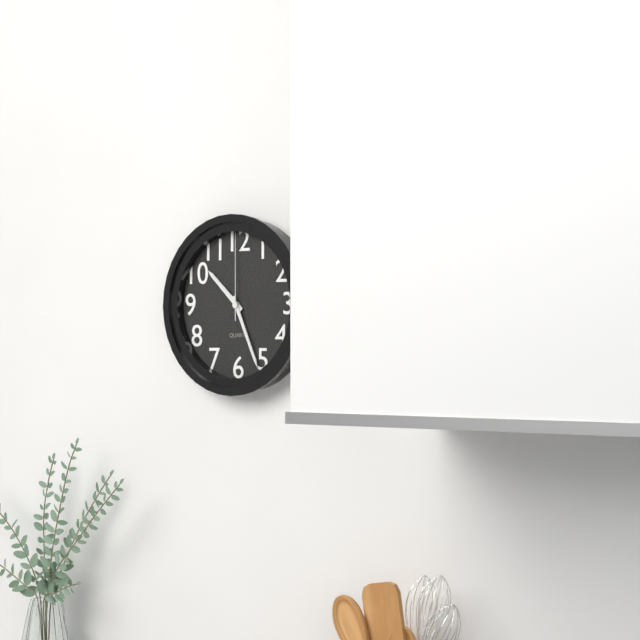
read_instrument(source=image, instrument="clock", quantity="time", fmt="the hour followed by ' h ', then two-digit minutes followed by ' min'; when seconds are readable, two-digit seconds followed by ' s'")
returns 10 h 26 min 00 s
